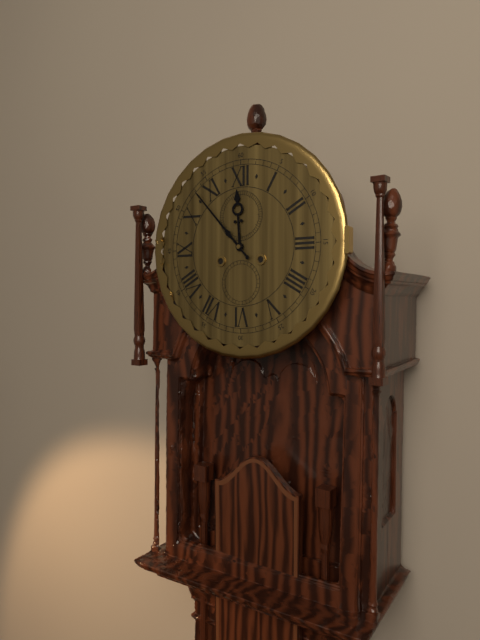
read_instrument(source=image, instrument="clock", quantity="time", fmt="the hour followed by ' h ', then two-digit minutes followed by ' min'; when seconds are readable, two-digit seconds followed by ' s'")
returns 11 h 53 min
